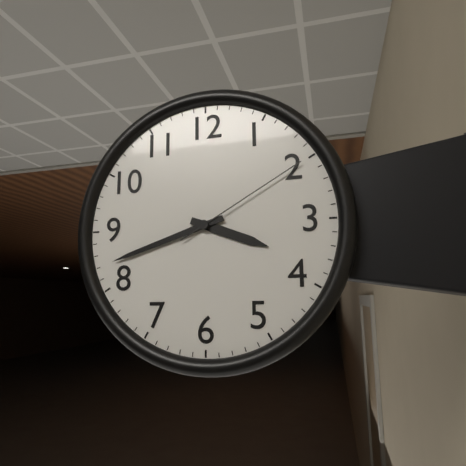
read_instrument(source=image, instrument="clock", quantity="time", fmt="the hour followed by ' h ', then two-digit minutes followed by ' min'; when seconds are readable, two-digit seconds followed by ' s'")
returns 3 h 42 min 10 s
